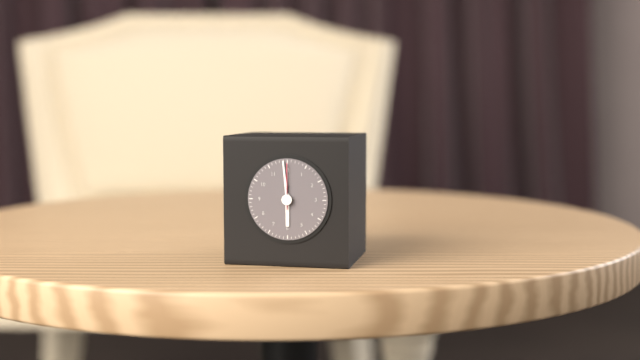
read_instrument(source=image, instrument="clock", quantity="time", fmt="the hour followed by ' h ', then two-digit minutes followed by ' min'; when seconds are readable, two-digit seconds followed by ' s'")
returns 5 h 59 min
